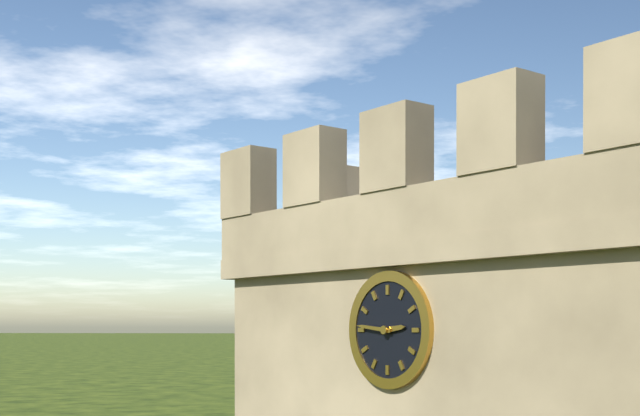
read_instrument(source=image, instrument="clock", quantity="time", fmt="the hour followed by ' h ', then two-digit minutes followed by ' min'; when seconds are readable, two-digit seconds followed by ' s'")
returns 2 h 46 min
